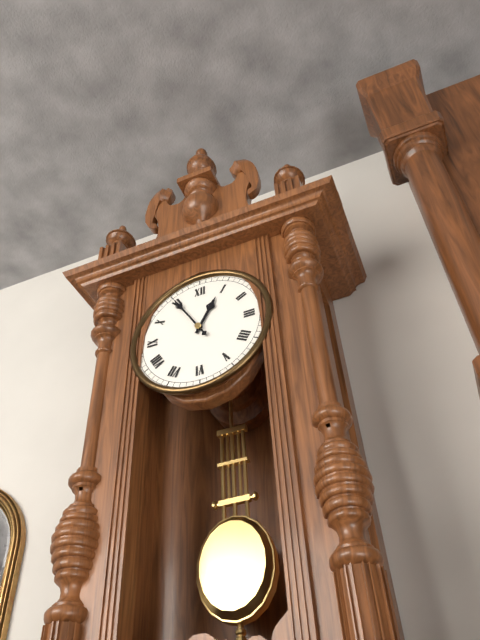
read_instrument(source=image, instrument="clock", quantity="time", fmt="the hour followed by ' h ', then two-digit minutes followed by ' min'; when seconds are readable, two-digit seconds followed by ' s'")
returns 12 h 55 min
